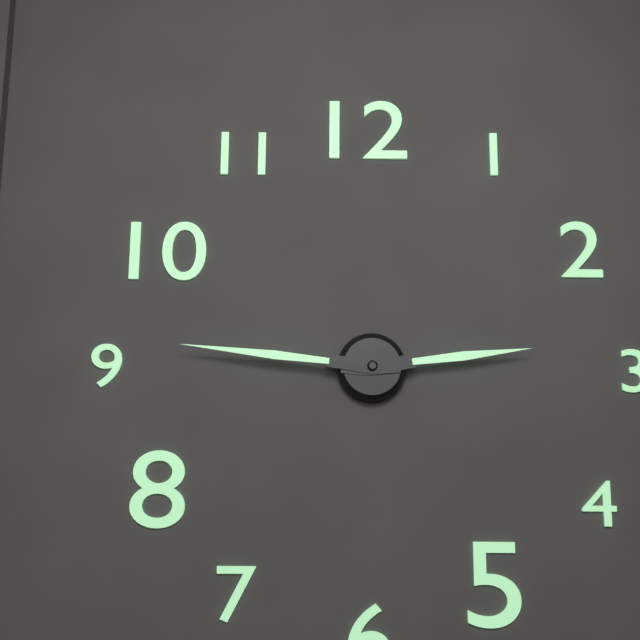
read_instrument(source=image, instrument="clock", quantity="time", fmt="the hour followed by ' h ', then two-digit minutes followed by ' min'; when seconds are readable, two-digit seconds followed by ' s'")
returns 2 h 46 min
